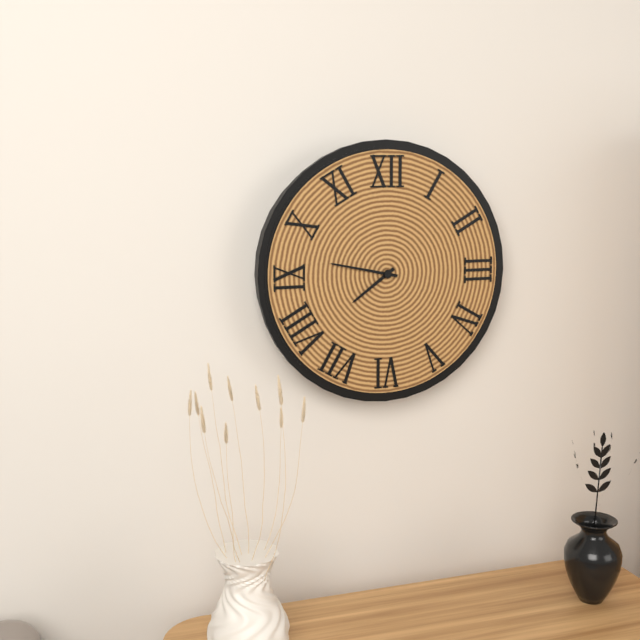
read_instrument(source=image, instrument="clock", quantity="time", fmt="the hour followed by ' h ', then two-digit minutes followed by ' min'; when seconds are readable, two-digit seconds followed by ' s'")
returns 7 h 47 min
